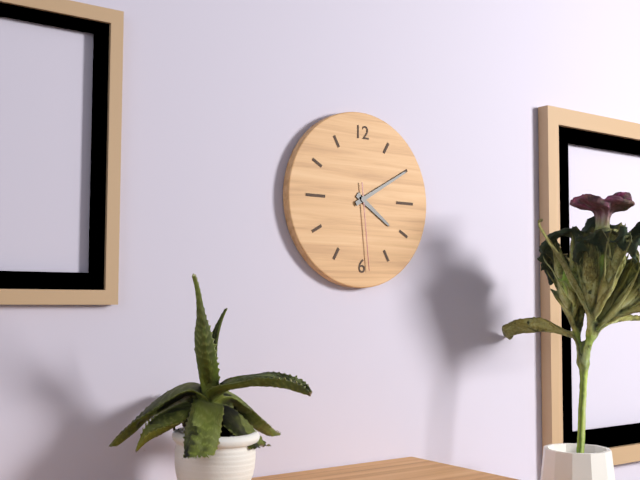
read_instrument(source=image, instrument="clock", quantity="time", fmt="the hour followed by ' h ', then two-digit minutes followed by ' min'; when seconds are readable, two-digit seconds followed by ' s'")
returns 4 h 10 min 29 s
